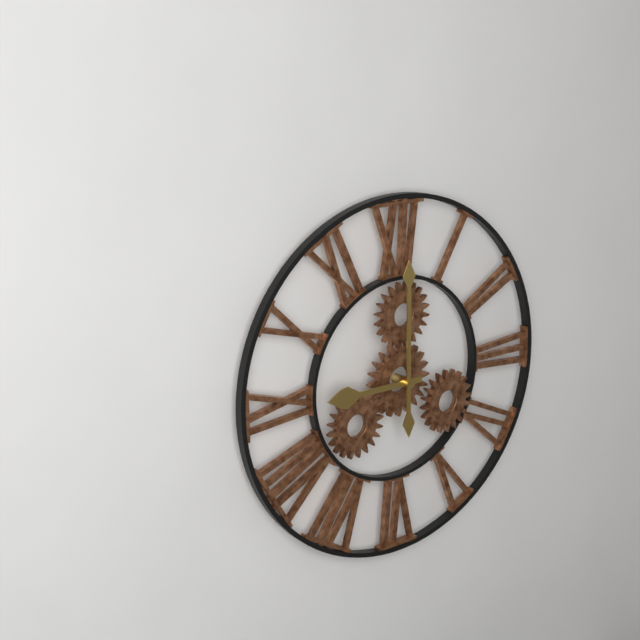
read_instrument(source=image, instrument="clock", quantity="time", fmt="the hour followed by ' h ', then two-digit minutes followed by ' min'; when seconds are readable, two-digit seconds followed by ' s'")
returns 9 h 00 min
